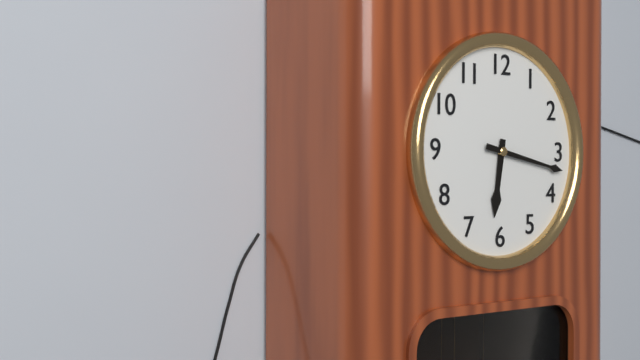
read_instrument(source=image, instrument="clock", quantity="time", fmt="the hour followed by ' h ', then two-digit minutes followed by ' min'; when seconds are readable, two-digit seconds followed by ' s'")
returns 6 h 17 min
